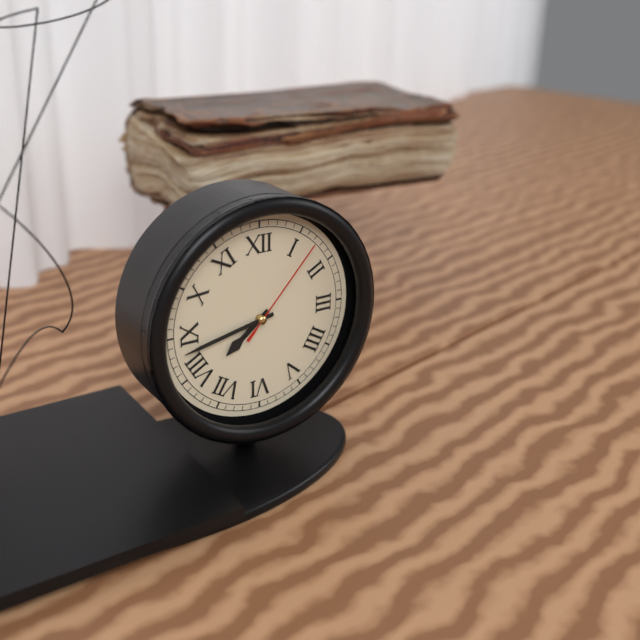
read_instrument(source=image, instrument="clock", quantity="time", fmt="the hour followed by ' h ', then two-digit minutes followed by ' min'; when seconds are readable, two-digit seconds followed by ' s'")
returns 7 h 43 min 07 s
